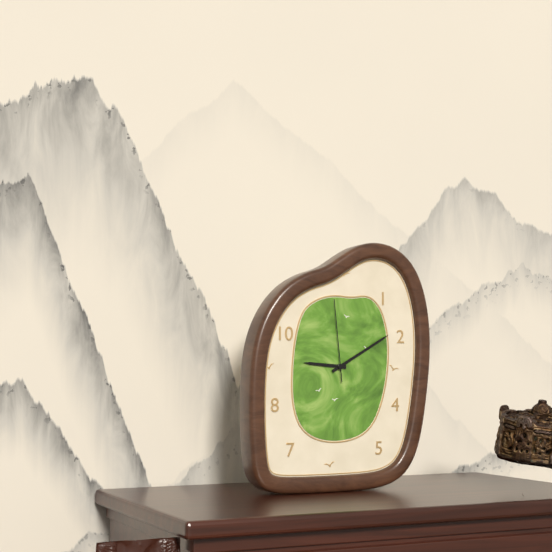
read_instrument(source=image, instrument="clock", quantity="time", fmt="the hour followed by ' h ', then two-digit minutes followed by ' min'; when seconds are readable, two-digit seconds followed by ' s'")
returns 9 h 10 min 59 s
